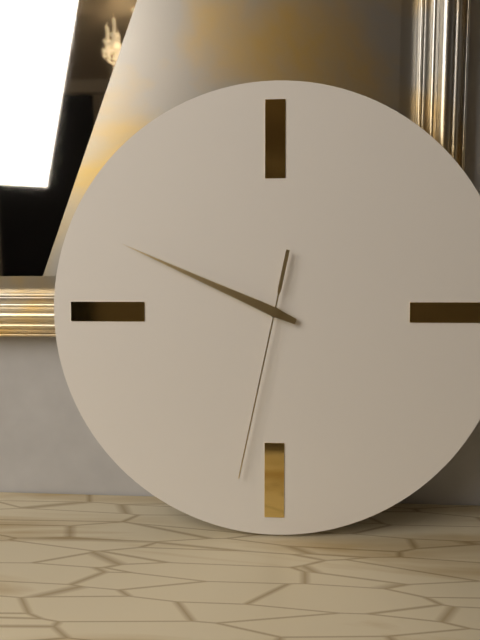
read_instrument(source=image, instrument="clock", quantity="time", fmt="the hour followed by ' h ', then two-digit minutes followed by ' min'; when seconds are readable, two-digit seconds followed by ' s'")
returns 9 h 49 min 32 s
